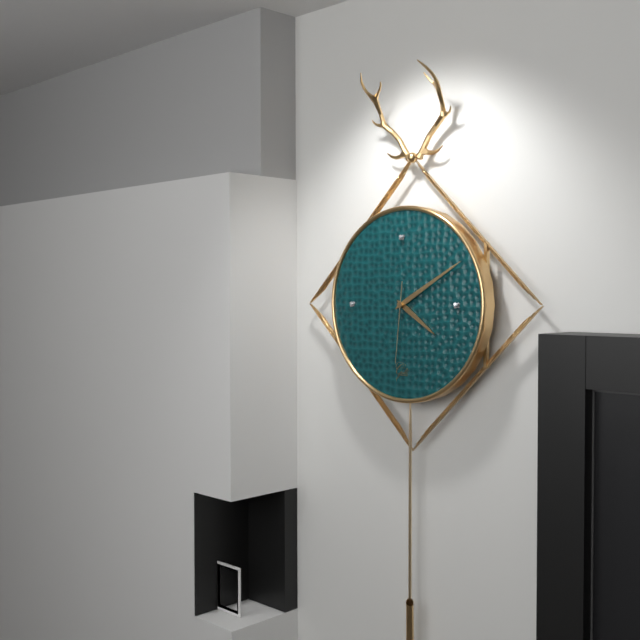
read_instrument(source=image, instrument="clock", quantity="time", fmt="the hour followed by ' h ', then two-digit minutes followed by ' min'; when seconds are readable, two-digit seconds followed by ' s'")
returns 4 h 10 min 31 s
